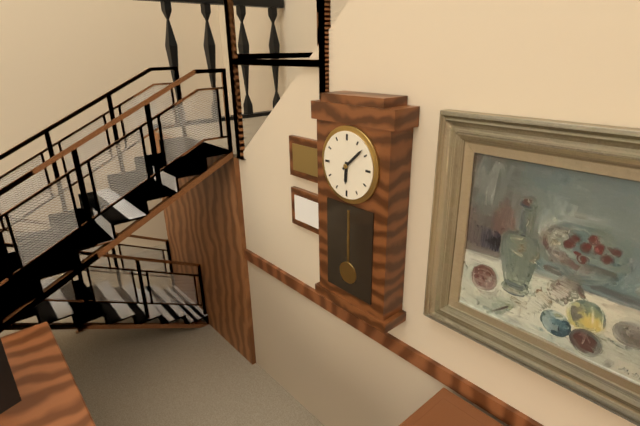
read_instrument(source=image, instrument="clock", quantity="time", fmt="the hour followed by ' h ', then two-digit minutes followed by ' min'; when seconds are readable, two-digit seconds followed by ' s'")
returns 6 h 08 min
